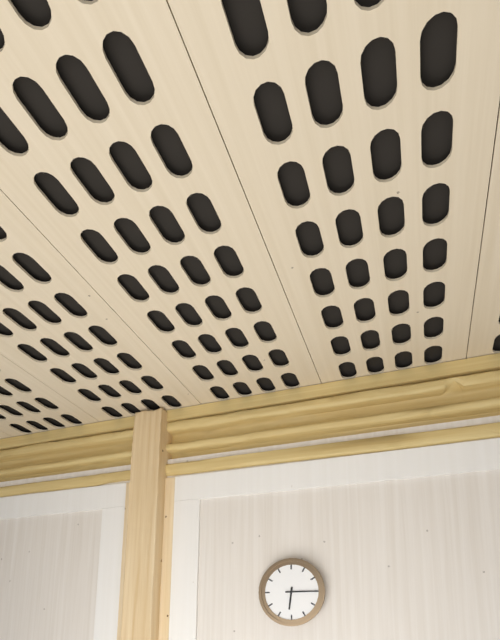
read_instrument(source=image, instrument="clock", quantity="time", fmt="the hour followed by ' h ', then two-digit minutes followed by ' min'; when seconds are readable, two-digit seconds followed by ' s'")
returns 6 h 15 min
